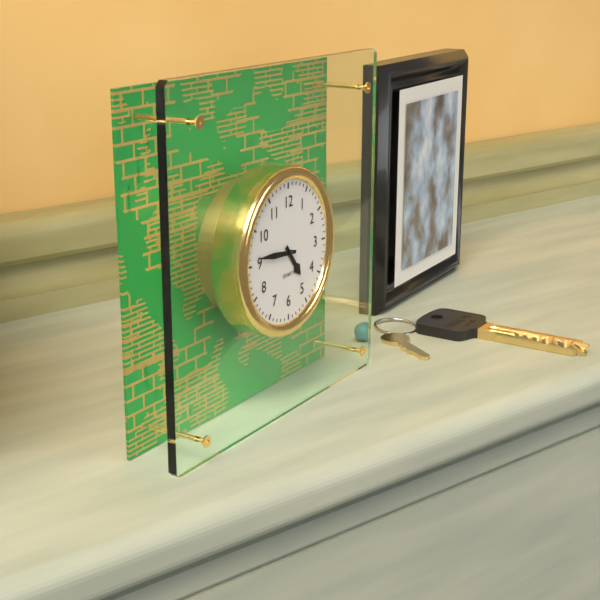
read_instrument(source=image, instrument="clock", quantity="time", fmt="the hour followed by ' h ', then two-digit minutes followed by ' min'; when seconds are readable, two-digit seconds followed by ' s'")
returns 4 h 46 min
